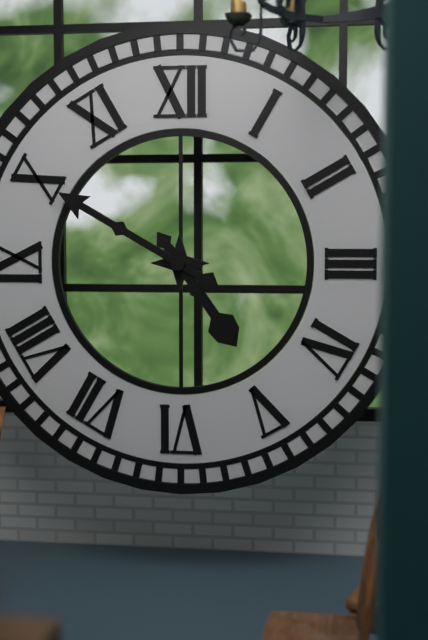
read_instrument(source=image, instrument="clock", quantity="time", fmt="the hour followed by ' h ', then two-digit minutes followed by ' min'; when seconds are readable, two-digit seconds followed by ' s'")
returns 4 h 50 min
